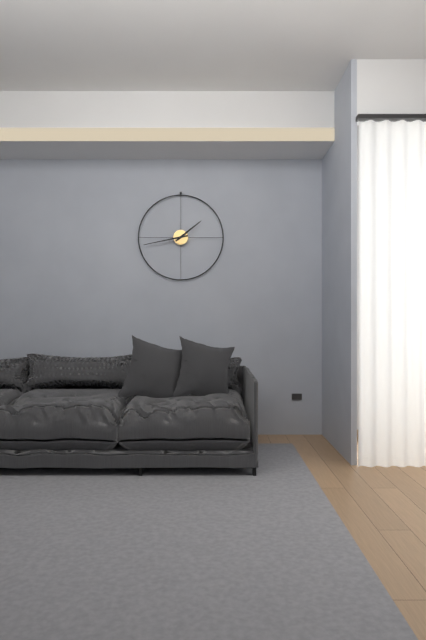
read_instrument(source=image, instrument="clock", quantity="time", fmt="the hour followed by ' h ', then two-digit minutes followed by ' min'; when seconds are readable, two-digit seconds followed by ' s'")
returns 1 h 43 min
